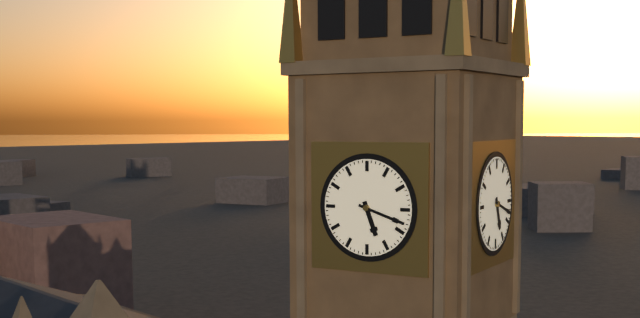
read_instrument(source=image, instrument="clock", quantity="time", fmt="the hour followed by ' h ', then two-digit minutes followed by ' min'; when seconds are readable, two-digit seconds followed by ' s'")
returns 5 h 18 min
